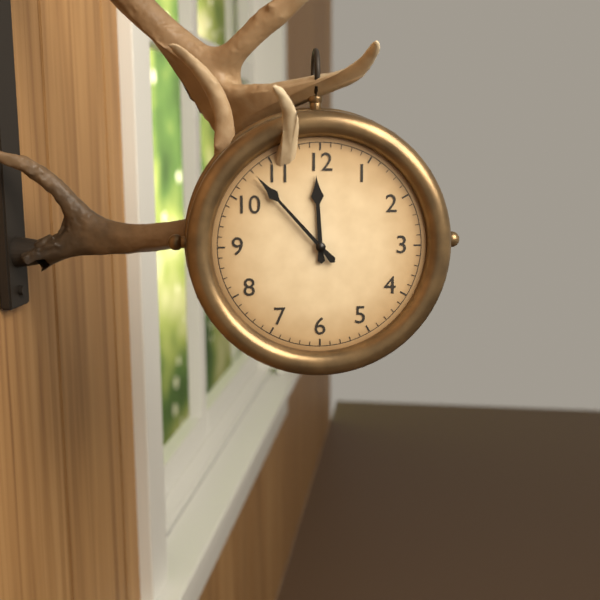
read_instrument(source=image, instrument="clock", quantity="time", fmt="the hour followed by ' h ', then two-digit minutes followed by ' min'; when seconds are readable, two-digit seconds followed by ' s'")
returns 11 h 53 min
